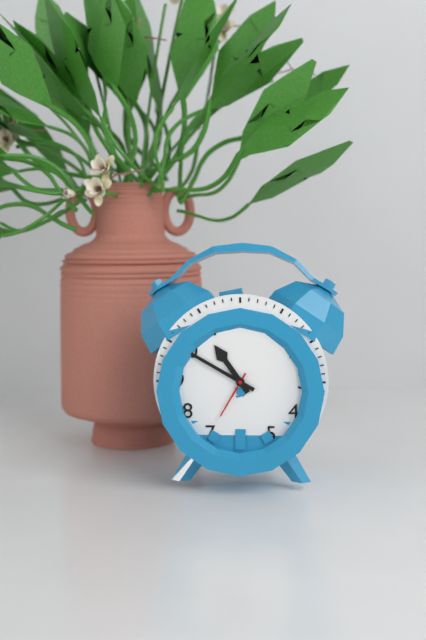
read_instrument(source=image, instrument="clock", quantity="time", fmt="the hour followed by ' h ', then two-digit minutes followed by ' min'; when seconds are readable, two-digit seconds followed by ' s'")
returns 10 h 50 min 35 s
